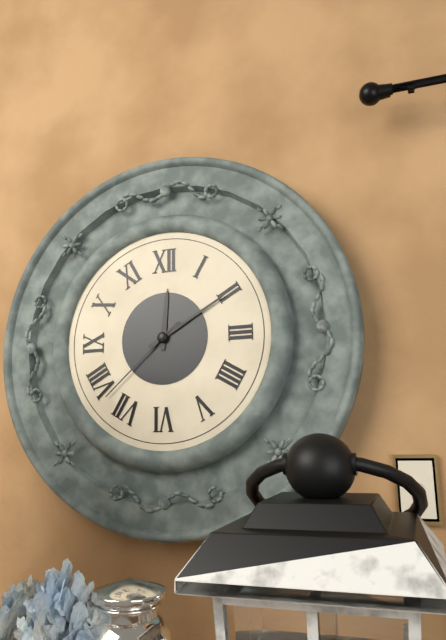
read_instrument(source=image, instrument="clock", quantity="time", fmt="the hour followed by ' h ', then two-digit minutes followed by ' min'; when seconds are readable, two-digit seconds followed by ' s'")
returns 12 h 10 min 38 s
